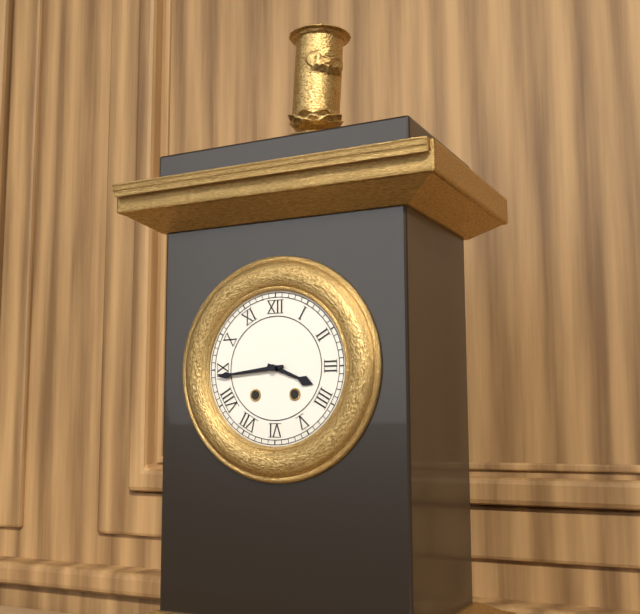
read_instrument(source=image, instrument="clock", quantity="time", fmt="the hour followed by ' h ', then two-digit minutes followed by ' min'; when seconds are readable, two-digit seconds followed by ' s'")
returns 3 h 44 min
